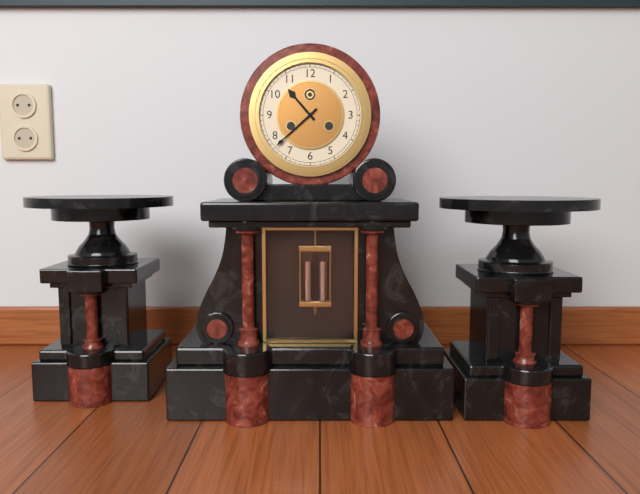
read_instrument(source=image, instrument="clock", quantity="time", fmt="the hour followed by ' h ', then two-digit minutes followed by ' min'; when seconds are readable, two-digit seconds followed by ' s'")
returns 10 h 38 min
